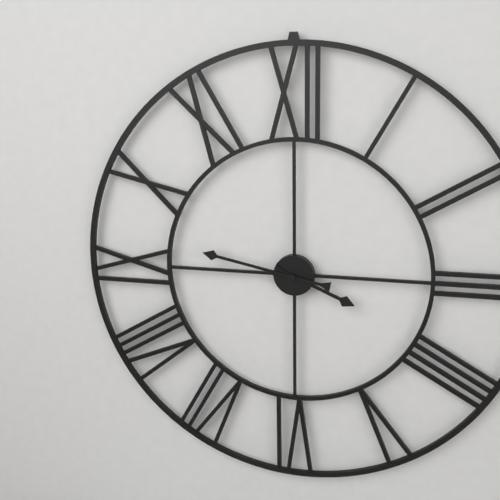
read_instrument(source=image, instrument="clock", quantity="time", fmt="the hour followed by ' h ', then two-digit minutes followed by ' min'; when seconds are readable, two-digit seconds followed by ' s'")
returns 3 h 47 min
